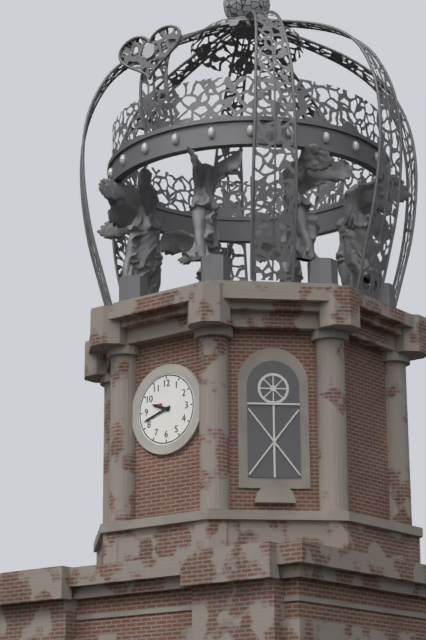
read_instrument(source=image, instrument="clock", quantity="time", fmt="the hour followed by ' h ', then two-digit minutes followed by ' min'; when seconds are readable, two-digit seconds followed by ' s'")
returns 9 h 42 min
